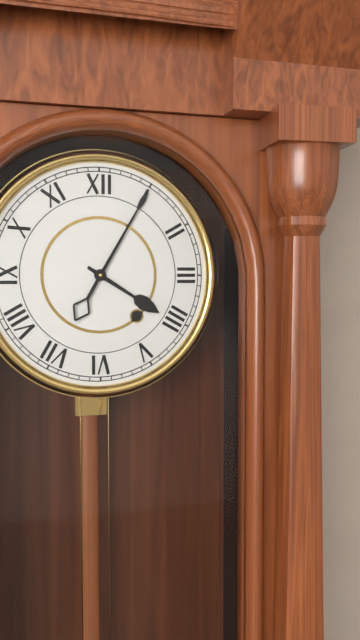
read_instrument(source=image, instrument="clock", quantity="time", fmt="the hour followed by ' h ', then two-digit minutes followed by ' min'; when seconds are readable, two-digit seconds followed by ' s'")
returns 4 h 05 min
